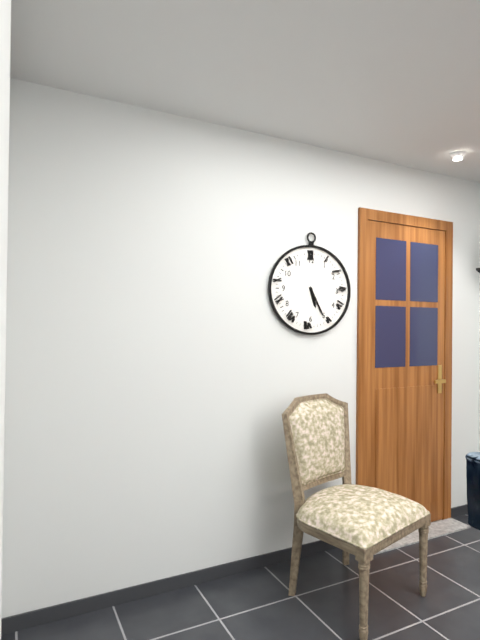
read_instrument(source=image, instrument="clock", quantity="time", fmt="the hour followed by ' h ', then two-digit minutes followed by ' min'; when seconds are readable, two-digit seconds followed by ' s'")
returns 5 h 25 min
